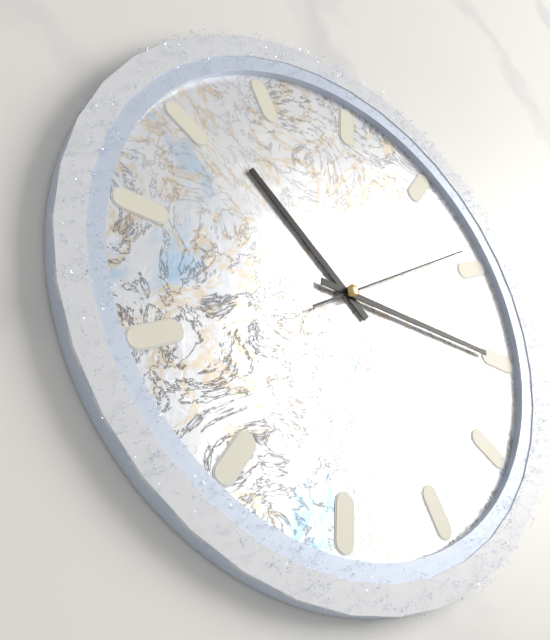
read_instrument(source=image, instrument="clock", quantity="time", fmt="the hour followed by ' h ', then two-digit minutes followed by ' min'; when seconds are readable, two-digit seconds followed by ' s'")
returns 10 h 15 min 09 s
